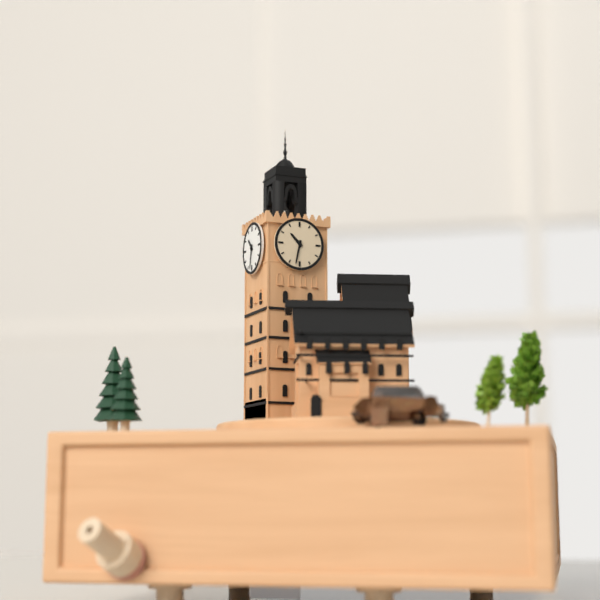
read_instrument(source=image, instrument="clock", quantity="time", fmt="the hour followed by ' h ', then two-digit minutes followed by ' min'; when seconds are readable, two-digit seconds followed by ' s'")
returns 10 h 32 min
